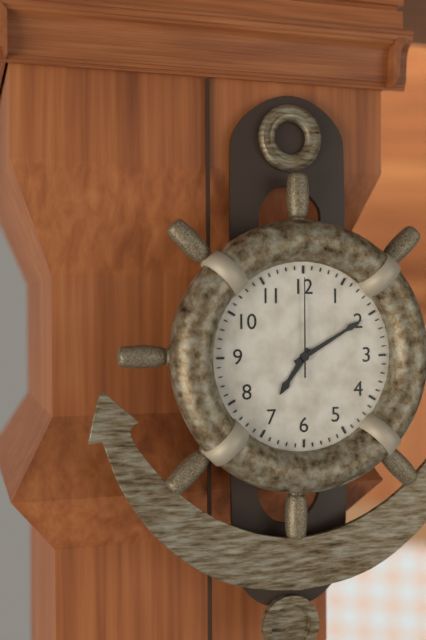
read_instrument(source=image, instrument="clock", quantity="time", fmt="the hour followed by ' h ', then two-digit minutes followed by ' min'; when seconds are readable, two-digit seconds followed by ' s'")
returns 7 h 10 min 00 s
